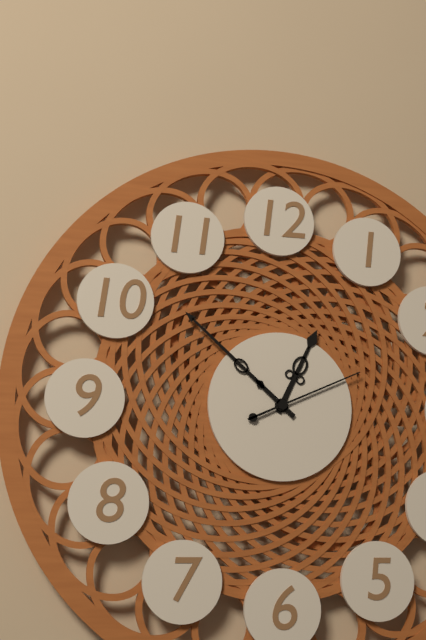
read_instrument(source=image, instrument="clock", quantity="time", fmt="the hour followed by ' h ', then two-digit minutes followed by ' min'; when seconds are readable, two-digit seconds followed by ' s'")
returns 12 h 52 min 11 s
